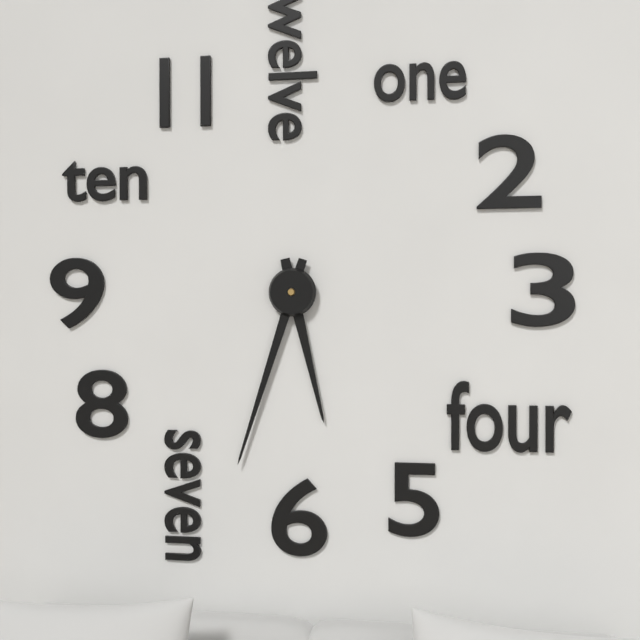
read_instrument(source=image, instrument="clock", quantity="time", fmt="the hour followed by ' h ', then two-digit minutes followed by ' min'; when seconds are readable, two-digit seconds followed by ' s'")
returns 5 h 33 min
